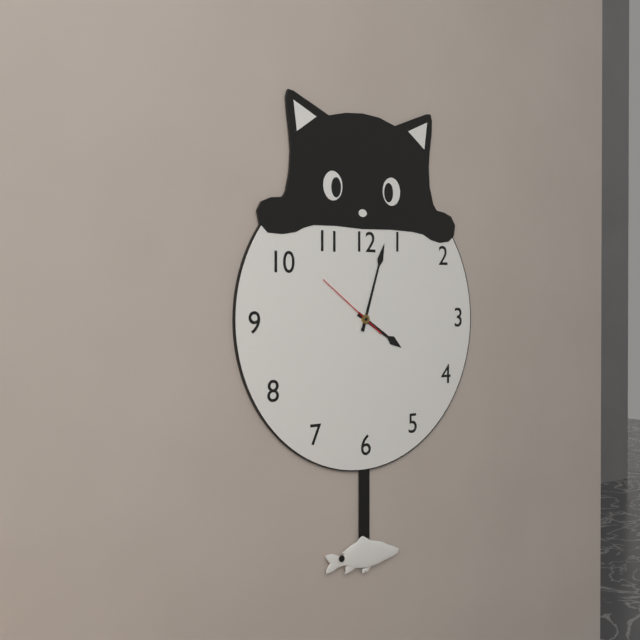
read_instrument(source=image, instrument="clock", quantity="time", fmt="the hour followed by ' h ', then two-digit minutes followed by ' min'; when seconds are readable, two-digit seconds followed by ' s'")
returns 4 h 03 min 51 s
